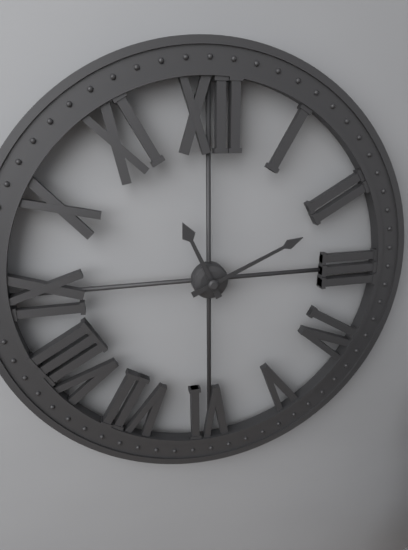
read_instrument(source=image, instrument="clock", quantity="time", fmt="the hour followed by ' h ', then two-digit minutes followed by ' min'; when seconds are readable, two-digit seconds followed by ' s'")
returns 11 h 11 min
